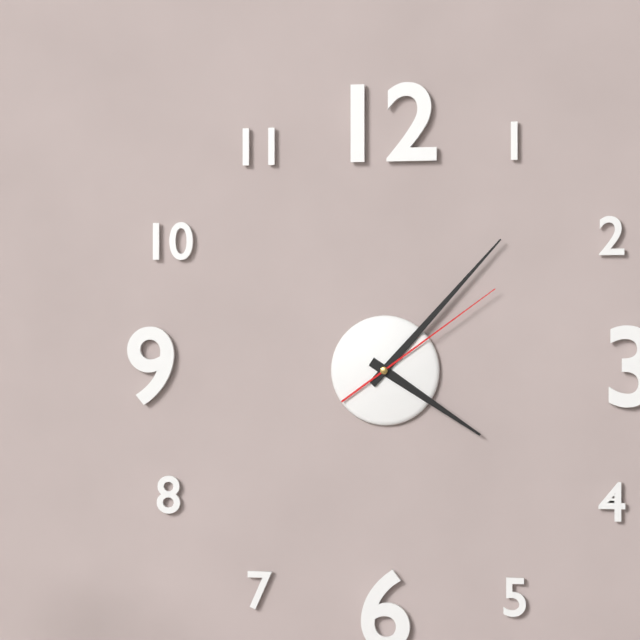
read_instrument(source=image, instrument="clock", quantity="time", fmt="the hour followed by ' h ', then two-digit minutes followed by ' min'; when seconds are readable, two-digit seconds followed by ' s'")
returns 4 h 07 min 09 s
